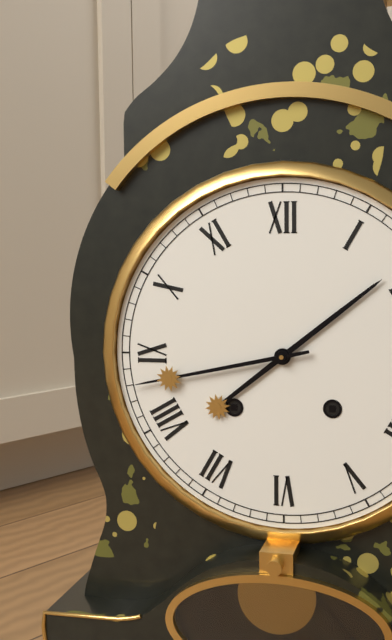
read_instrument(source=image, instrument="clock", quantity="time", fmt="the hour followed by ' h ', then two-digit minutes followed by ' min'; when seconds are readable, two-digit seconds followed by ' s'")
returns 1 h 43 min
